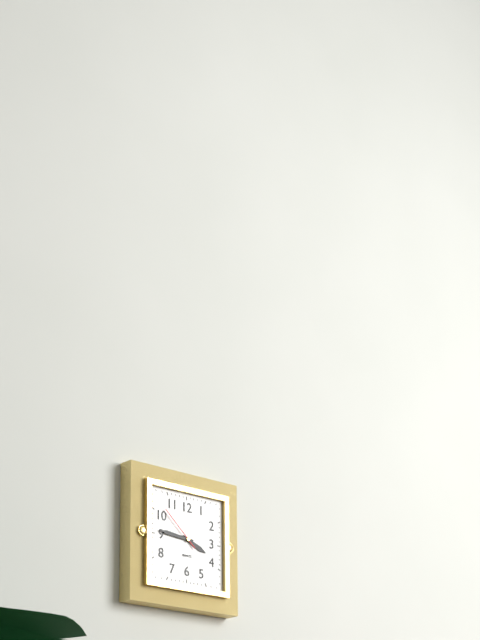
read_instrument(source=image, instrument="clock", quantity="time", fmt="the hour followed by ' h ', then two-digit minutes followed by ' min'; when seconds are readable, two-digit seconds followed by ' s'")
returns 3 h 46 min
